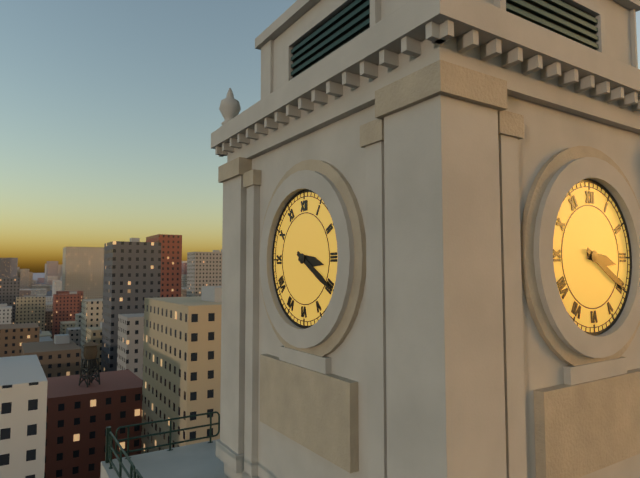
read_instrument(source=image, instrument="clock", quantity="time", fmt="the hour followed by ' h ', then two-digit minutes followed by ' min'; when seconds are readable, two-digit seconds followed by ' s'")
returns 3 h 20 min
